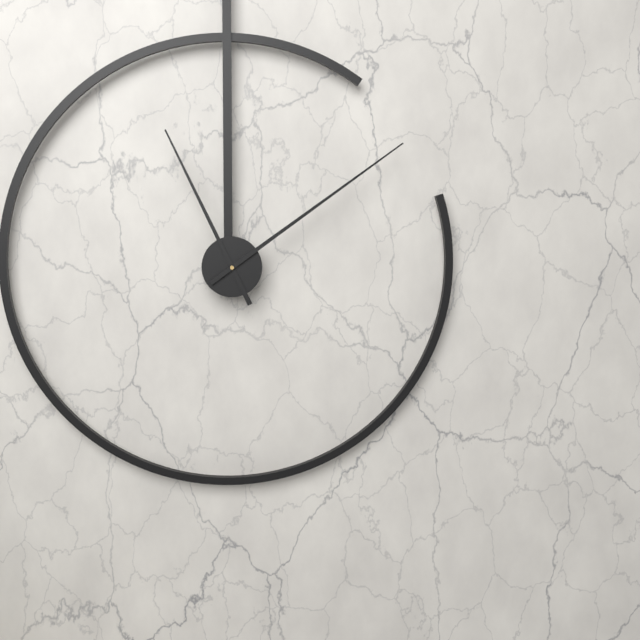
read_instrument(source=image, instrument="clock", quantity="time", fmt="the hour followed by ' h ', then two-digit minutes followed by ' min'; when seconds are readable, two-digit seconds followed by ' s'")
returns 11 h 09 min
